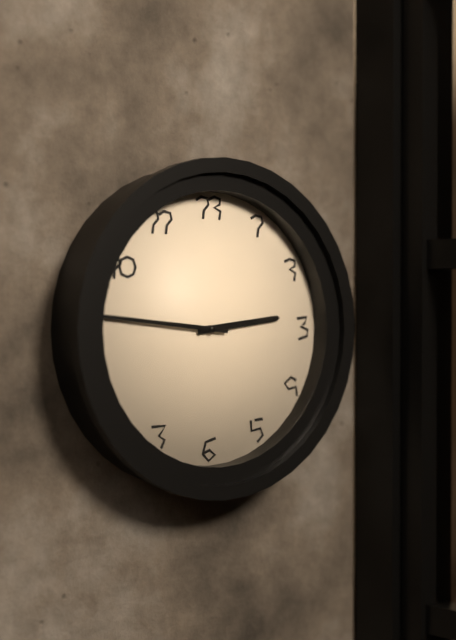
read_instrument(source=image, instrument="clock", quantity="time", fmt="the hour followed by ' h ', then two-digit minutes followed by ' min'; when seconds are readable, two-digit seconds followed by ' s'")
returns 2 h 46 min
